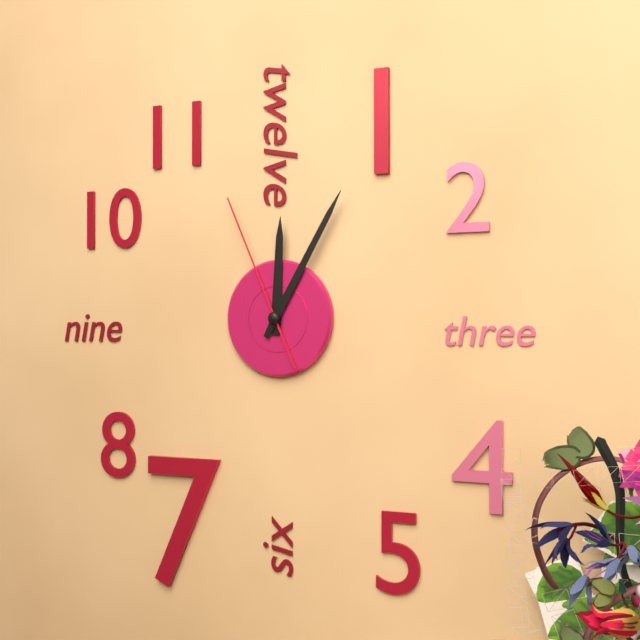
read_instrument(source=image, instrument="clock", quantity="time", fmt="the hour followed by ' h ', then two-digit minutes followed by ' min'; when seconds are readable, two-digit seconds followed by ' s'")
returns 12 h 05 min 56 s
